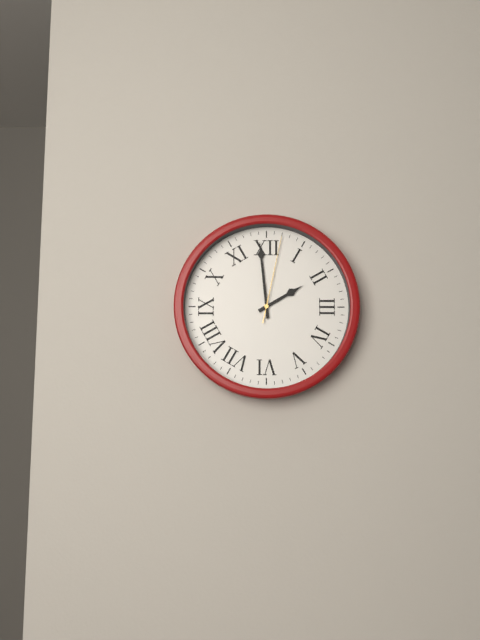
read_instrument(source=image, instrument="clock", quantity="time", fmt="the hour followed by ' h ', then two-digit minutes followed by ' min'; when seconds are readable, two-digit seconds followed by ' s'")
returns 1 h 59 min 02 s
